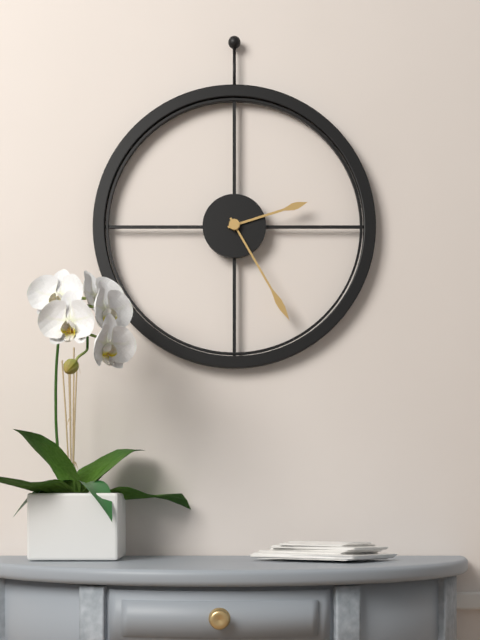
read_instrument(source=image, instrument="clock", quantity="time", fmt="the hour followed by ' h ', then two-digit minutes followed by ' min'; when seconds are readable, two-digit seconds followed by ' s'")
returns 2 h 25 min
